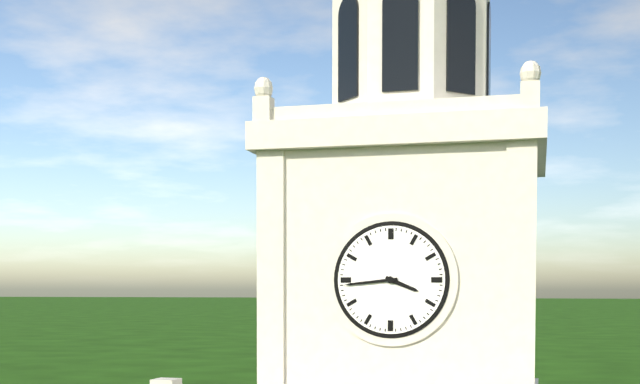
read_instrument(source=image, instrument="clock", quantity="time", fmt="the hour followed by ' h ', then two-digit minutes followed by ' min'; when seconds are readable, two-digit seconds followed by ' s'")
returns 3 h 44 min
